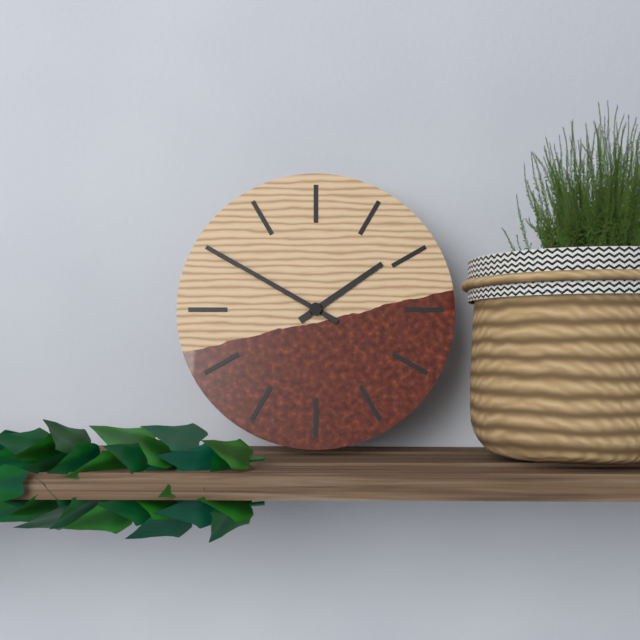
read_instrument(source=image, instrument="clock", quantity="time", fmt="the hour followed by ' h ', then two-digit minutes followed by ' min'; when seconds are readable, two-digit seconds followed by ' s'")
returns 1 h 50 min
